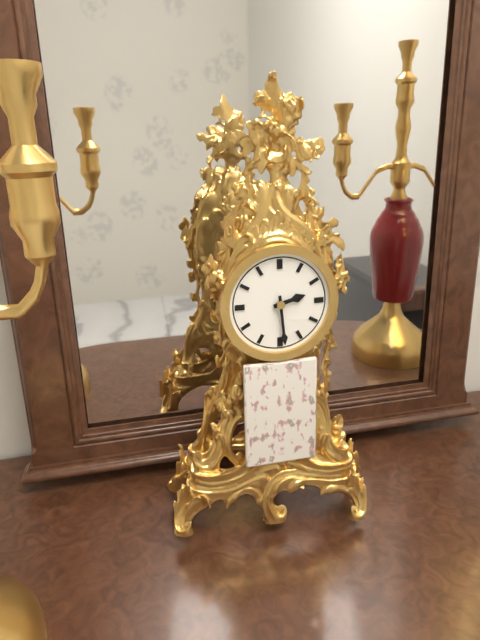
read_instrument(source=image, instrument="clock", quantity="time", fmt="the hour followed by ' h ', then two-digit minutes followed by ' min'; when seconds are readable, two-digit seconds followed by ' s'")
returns 2 h 29 min
